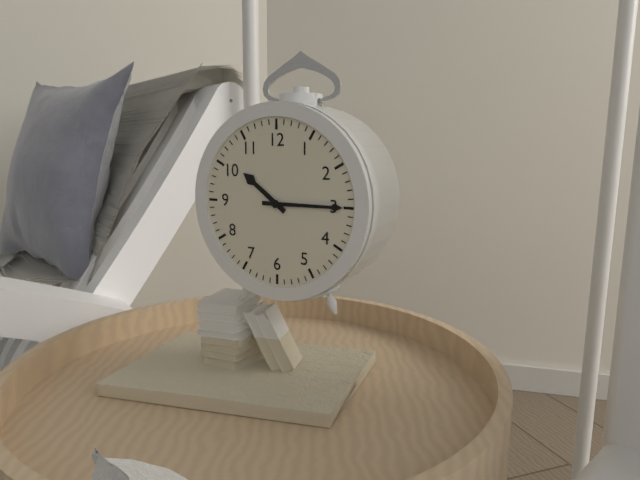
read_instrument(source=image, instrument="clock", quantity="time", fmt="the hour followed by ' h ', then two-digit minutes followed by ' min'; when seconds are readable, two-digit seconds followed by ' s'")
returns 10 h 15 min
